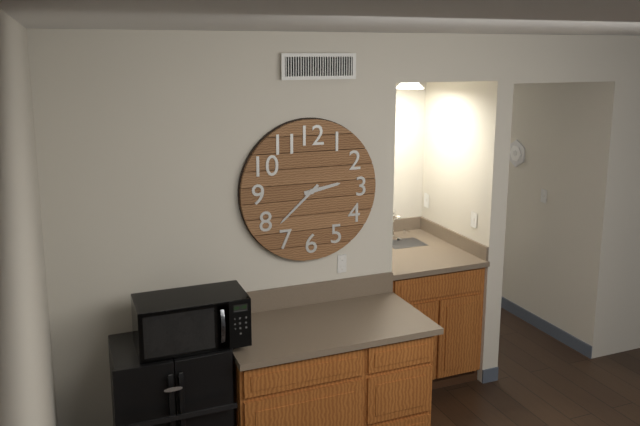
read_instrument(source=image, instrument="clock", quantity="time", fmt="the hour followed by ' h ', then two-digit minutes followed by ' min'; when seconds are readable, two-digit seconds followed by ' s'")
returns 2 h 38 min
